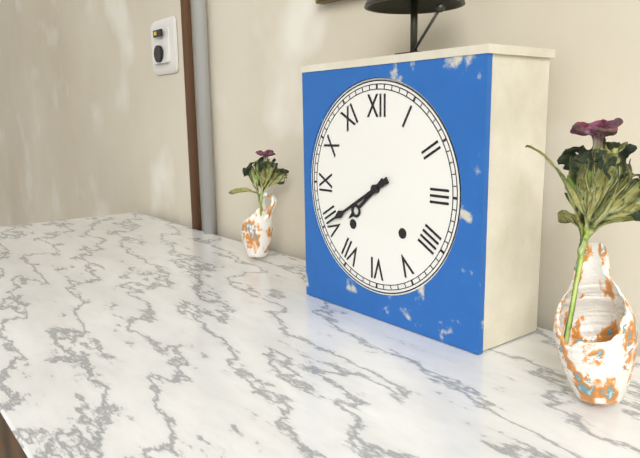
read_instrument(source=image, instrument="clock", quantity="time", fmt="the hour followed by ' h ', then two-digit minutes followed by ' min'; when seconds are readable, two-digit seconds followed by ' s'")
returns 7 h 40 min
